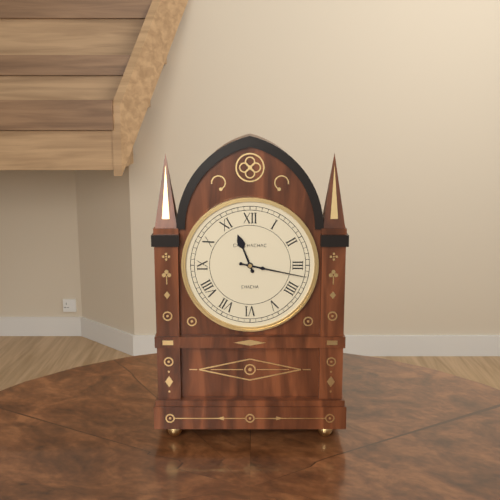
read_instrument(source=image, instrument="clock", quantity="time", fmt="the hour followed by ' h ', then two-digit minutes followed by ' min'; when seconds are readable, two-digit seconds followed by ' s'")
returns 11 h 17 min
